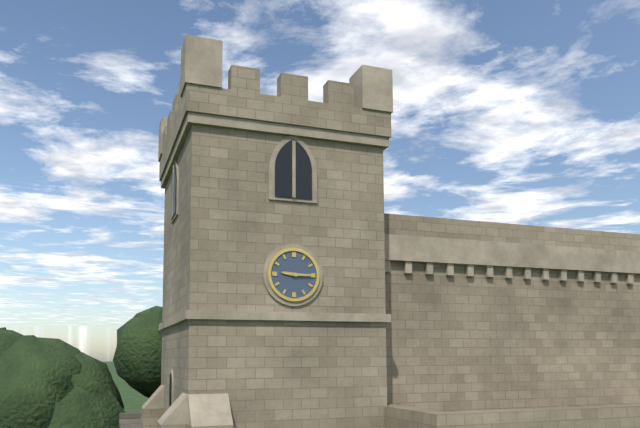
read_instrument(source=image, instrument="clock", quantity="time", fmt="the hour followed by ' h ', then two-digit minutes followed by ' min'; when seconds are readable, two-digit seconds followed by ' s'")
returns 9 h 15 min
